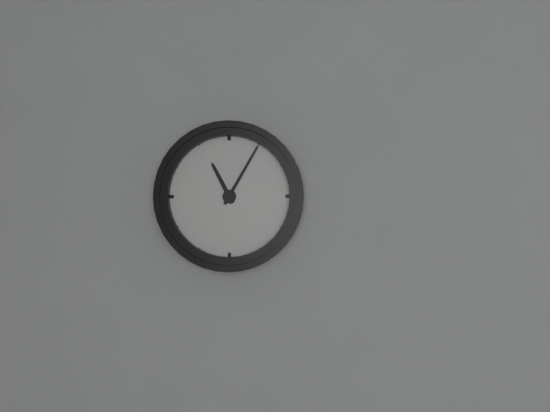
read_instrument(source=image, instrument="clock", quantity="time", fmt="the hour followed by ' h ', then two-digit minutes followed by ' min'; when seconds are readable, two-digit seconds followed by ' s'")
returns 11 h 05 min
